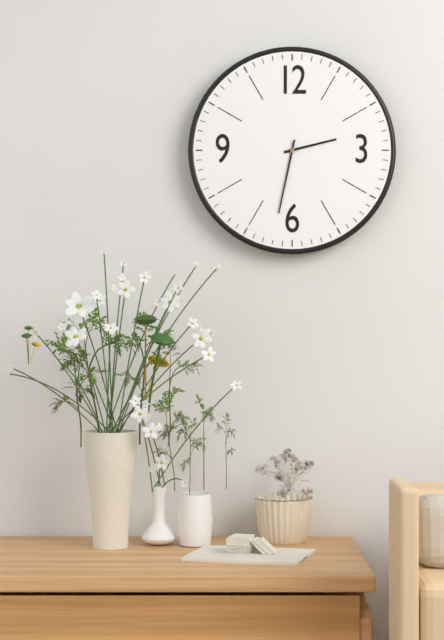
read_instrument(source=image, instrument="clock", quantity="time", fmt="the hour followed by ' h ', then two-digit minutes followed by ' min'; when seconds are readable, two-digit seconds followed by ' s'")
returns 2 h 32 min
